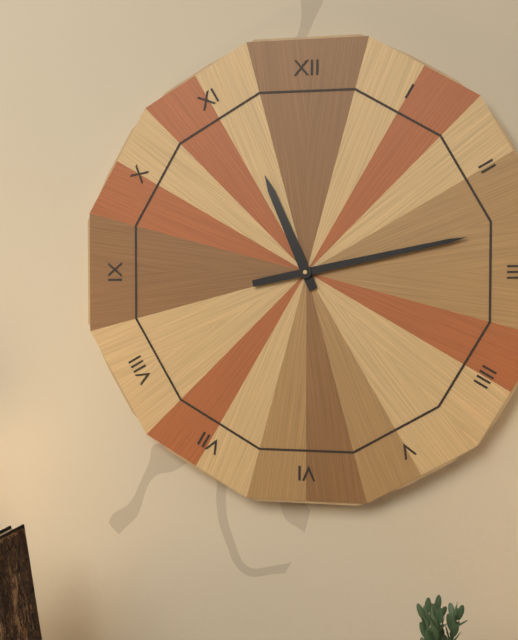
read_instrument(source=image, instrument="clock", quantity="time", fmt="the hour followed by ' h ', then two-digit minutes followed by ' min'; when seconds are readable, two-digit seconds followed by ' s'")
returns 11 h 13 min
